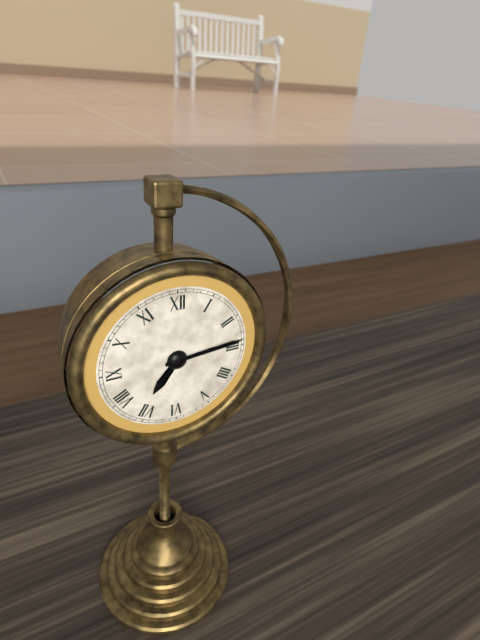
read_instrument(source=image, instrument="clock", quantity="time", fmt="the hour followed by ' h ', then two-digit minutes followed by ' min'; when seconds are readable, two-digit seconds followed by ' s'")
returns 7 h 14 min
